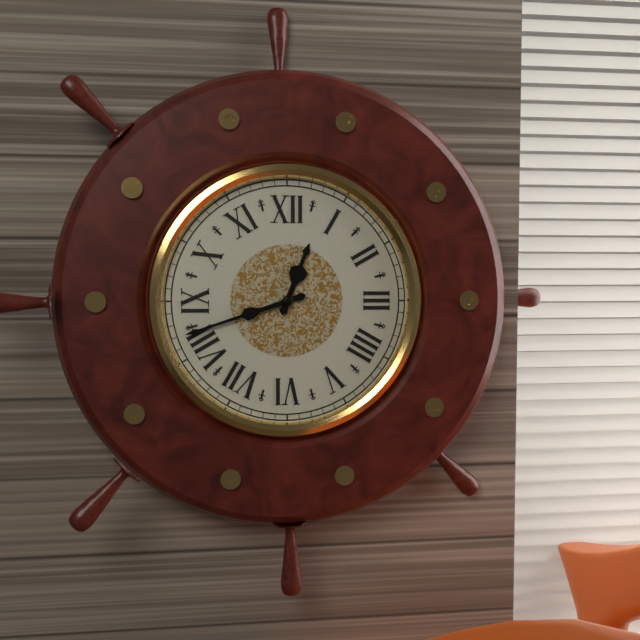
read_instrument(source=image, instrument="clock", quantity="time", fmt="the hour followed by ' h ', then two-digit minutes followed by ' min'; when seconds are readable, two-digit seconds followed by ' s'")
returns 12 h 42 min
